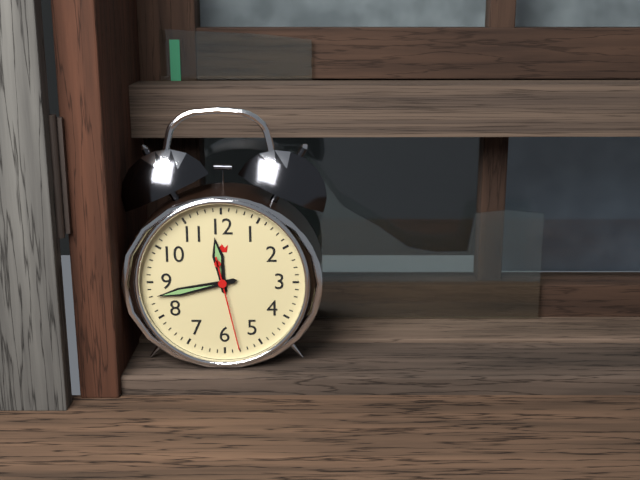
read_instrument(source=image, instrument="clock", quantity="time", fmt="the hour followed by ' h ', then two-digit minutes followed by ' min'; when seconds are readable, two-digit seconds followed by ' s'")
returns 11 h 43 min 28 s
